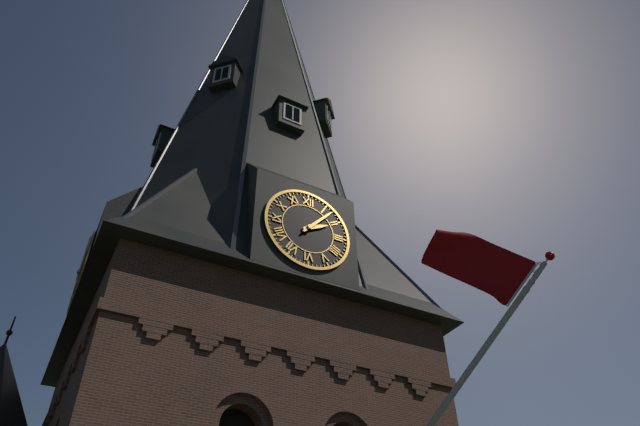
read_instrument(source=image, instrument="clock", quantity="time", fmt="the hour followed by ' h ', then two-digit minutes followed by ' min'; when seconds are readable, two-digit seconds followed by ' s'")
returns 2 h 07 min
